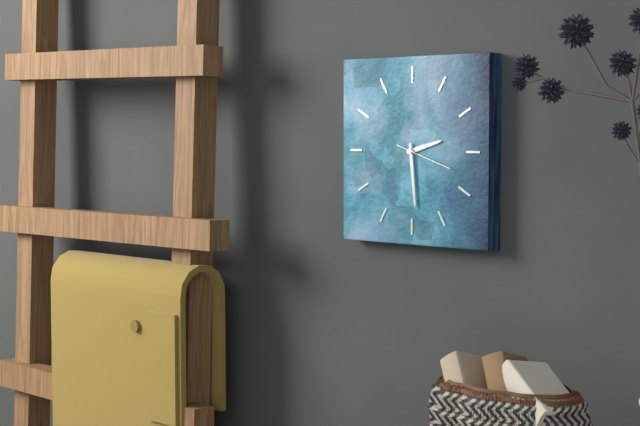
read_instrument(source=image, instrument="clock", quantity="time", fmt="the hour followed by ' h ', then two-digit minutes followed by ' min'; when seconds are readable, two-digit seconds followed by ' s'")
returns 2 h 29 min 18 s
